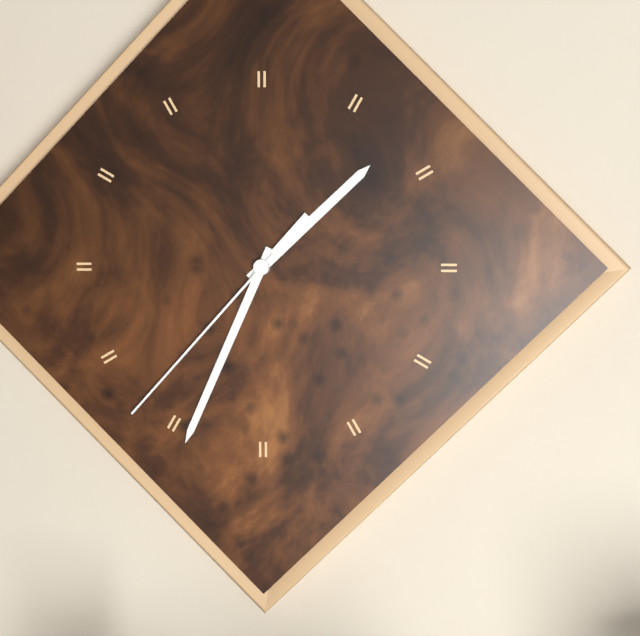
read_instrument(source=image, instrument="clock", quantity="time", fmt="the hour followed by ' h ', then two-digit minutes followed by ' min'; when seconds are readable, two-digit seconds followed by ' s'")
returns 1 h 34 min 37 s
